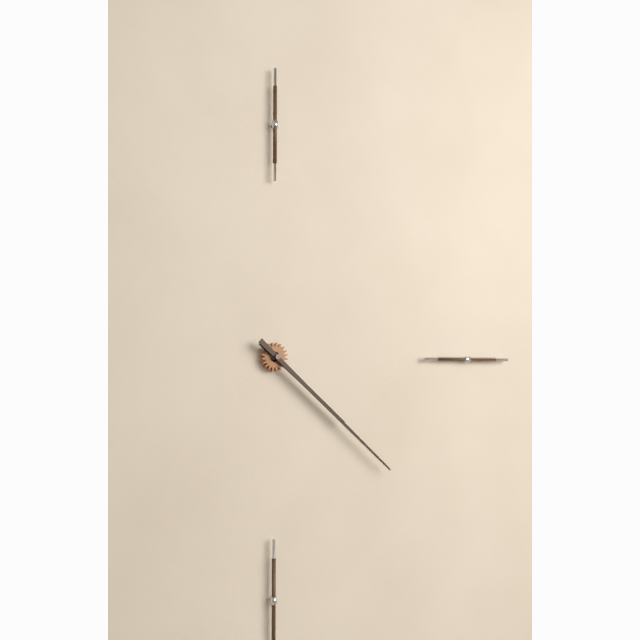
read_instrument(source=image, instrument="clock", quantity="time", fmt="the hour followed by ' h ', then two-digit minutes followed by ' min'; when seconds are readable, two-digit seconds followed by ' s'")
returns 4 h 22 min
